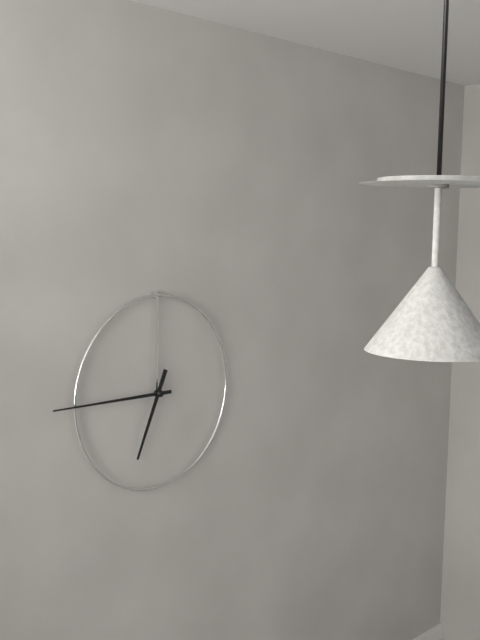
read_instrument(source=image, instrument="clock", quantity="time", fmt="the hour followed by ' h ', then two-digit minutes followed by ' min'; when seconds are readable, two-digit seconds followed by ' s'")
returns 6 h 45 min
